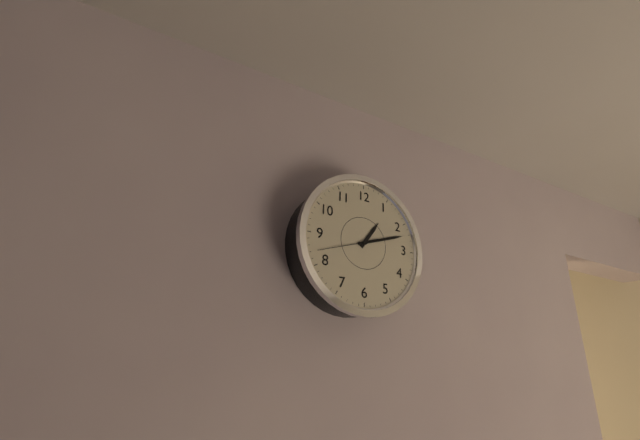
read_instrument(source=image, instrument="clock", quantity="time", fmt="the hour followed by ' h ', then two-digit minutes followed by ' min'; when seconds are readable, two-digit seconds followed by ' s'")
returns 1 h 12 min 42 s
